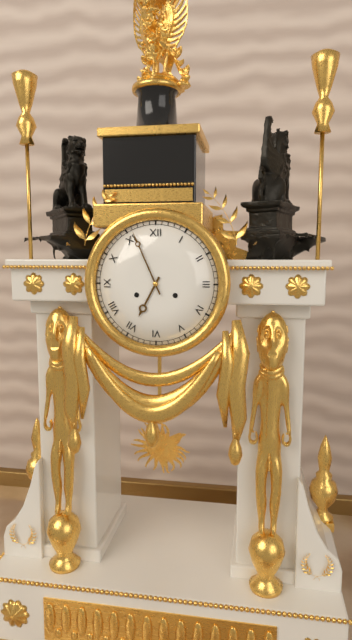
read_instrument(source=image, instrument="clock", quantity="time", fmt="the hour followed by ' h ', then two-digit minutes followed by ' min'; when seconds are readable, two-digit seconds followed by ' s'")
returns 6 h 56 min
